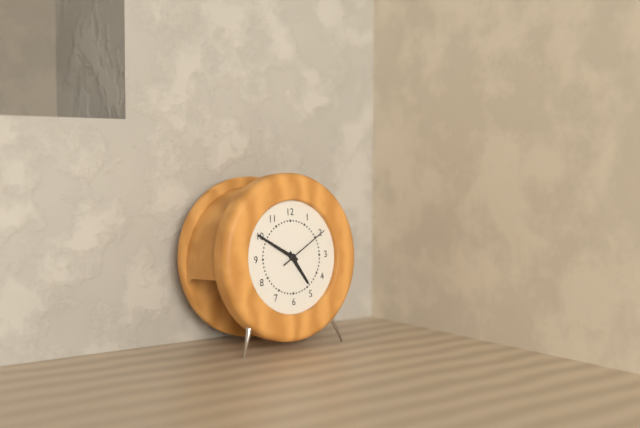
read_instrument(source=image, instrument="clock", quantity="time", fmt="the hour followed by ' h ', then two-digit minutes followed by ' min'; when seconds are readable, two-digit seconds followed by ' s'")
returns 4 h 50 min 10 s
